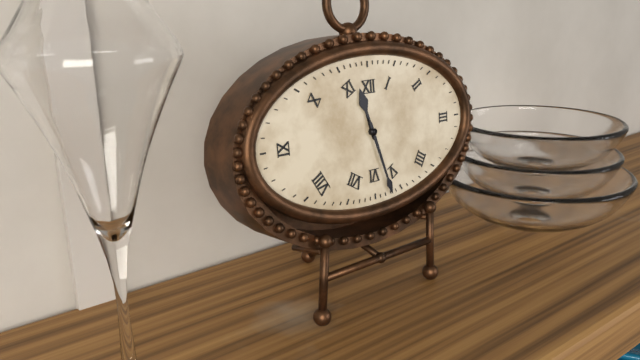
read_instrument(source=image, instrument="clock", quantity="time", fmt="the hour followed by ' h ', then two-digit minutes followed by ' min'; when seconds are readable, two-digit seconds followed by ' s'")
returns 11 h 27 min
